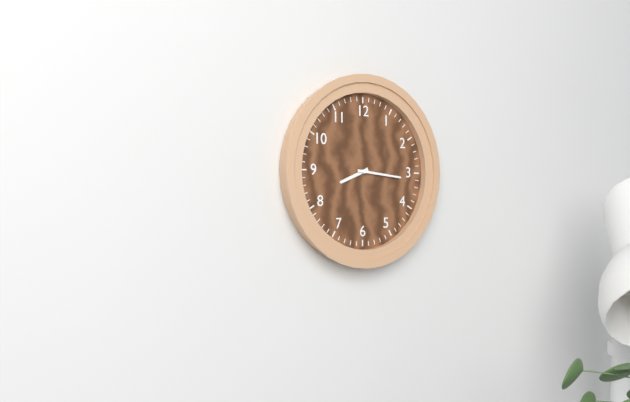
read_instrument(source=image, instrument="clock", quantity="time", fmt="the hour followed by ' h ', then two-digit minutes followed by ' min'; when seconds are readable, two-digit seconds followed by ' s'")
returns 8 h 16 min
